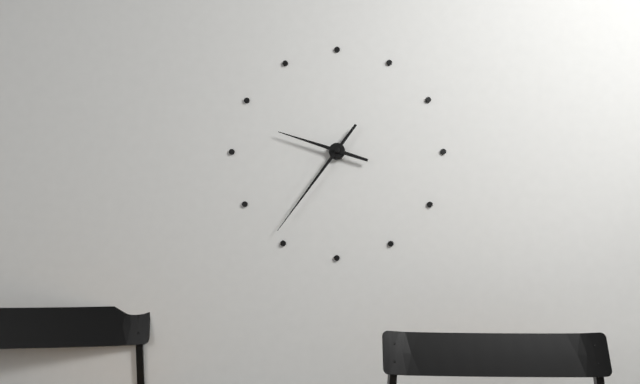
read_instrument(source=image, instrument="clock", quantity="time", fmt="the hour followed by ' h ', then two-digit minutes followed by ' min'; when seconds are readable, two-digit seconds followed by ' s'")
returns 9 h 36 min
